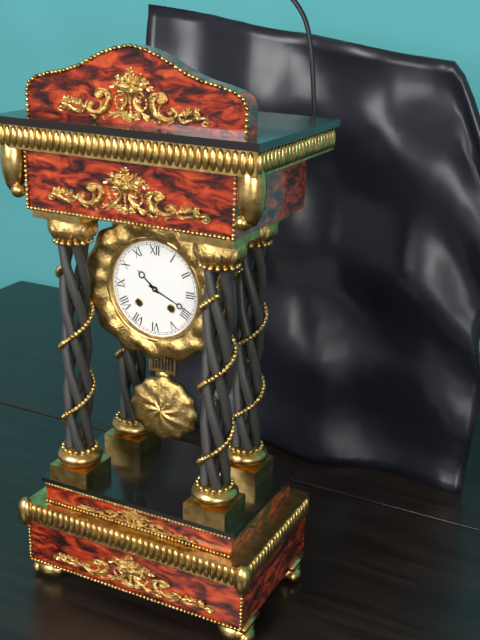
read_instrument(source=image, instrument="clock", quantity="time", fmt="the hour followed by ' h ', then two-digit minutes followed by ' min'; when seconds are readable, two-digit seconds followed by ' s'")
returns 10 h 19 min
